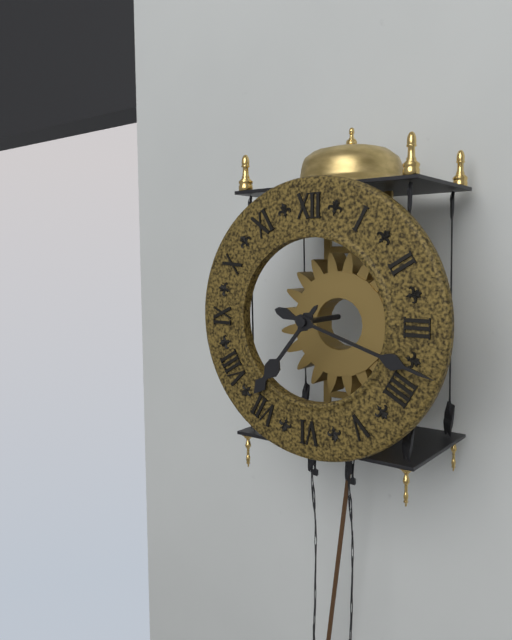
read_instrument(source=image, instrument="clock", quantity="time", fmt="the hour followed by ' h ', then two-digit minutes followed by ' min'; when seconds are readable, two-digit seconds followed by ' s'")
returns 7 h 18 min
